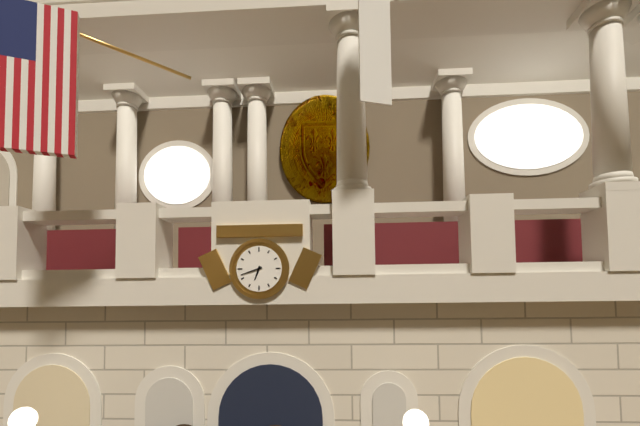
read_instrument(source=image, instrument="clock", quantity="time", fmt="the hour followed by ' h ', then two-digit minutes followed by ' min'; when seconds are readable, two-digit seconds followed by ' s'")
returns 6 h 42 min
